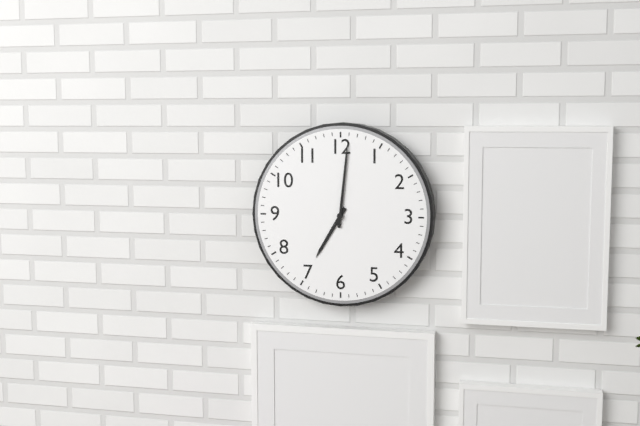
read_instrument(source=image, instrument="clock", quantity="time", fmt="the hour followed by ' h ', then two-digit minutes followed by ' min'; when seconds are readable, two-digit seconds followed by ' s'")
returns 7 h 01 min
